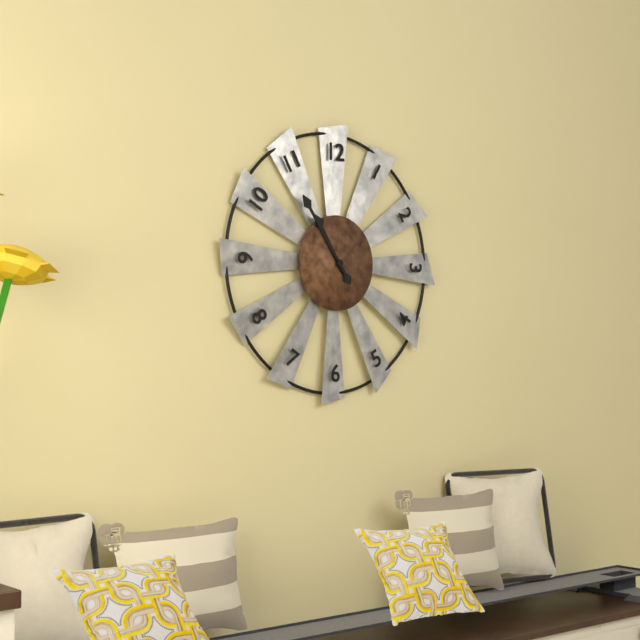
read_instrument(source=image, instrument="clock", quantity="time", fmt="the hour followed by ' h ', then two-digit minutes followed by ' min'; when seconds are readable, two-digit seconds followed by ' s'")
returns 10 h 54 min
